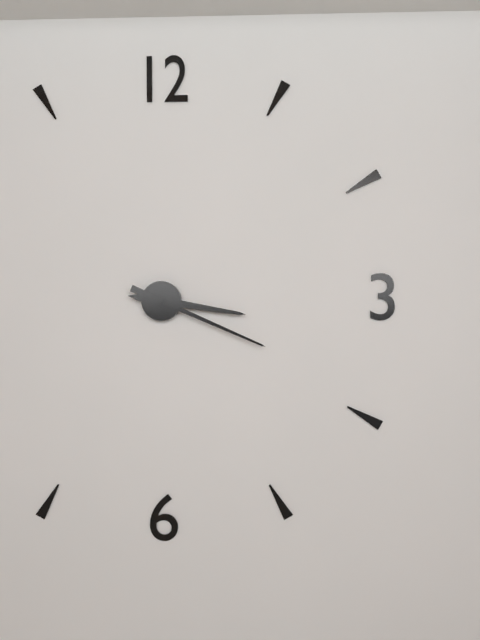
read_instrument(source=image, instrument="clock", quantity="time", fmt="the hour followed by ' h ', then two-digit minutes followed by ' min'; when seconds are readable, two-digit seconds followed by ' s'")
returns 3 h 19 min
